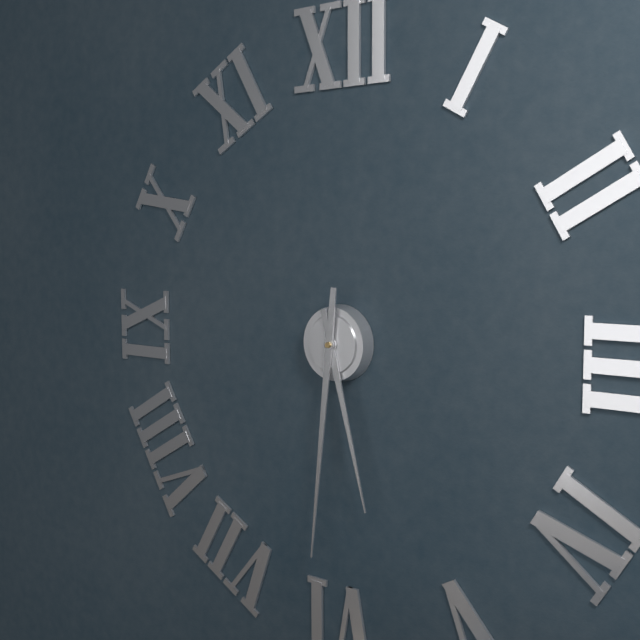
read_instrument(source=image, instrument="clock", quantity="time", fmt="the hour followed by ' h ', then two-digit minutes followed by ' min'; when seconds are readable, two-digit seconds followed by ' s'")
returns 5 h 31 min
